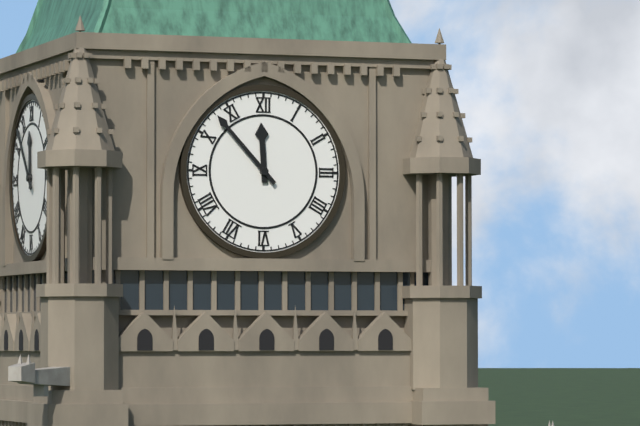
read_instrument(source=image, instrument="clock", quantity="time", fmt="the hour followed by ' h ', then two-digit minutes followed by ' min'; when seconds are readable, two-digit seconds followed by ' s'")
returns 11 h 53 min
